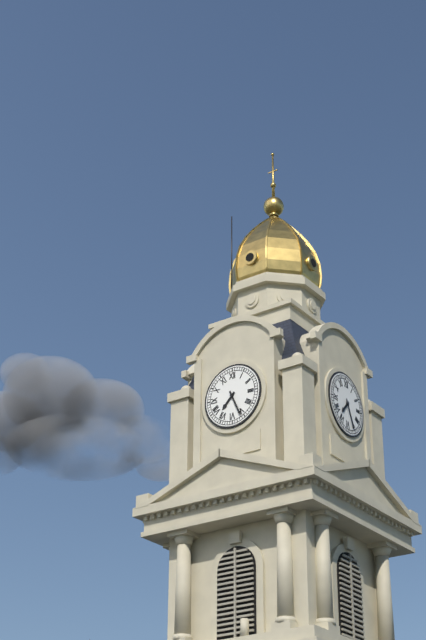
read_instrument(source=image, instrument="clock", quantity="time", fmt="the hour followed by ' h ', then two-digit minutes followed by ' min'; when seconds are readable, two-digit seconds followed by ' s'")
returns 7 h 26 min
